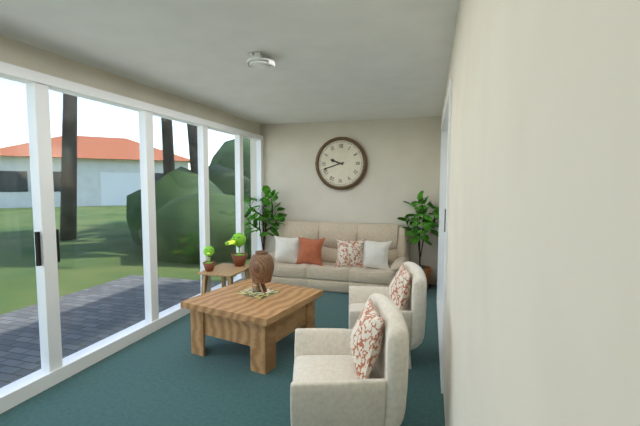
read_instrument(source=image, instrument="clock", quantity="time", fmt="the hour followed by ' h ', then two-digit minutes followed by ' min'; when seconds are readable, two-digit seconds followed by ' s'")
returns 9 h 42 min
